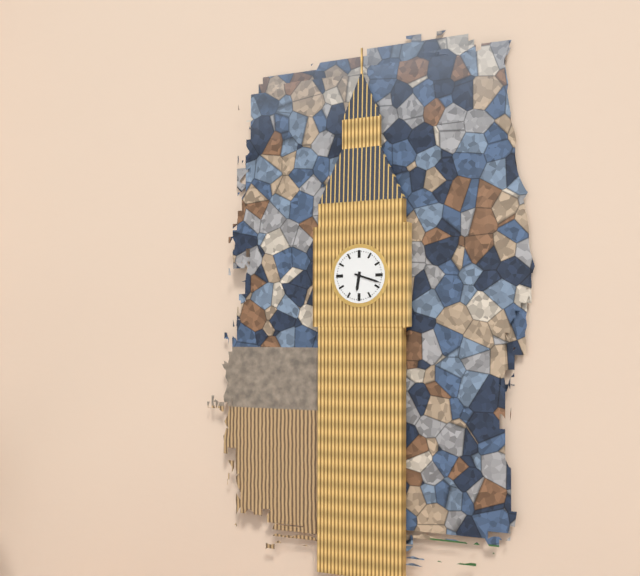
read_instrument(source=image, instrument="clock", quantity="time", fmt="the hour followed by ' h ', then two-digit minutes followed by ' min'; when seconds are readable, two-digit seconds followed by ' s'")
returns 6 h 18 min
